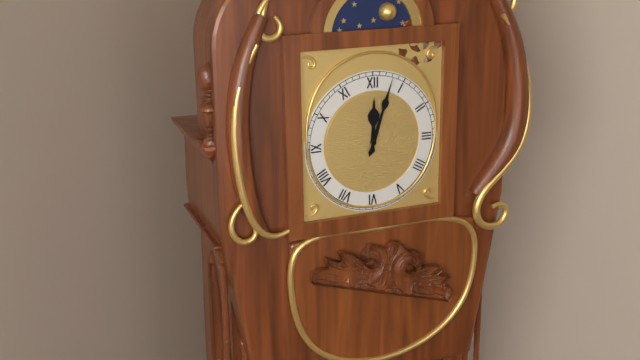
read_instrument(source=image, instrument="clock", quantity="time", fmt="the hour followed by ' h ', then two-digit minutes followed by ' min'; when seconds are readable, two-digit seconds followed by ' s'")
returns 12 h 03 min
